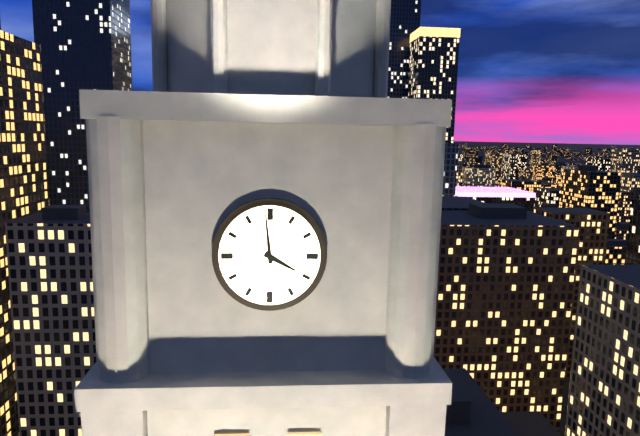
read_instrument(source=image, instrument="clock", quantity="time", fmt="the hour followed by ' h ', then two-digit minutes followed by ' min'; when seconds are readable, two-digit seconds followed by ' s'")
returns 3 h 59 min
